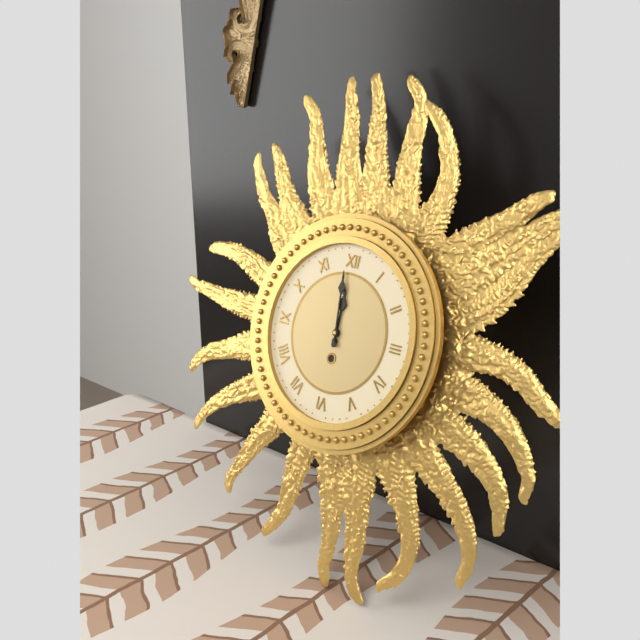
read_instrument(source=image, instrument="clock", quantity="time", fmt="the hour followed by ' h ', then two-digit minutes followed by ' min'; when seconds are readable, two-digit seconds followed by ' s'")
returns 11 h 59 min
